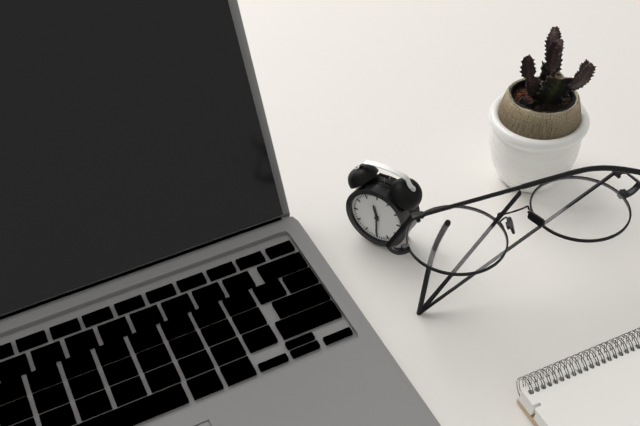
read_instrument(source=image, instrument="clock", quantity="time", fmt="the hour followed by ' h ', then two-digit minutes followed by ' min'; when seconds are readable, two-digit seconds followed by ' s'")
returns 11 h 30 min
